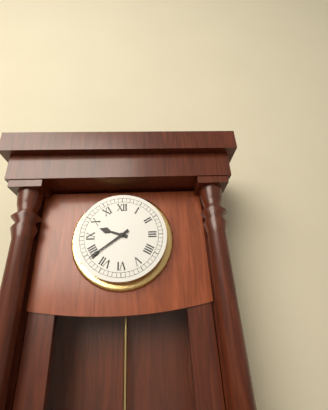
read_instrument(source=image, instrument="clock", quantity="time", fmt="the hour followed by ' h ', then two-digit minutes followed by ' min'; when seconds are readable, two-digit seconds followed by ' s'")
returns 9 h 39 min
